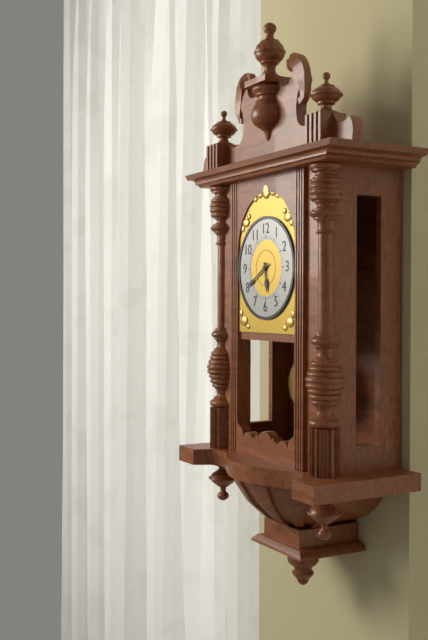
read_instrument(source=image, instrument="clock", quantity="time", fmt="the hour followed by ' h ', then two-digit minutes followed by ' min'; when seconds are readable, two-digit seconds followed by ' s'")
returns 5 h 40 min
